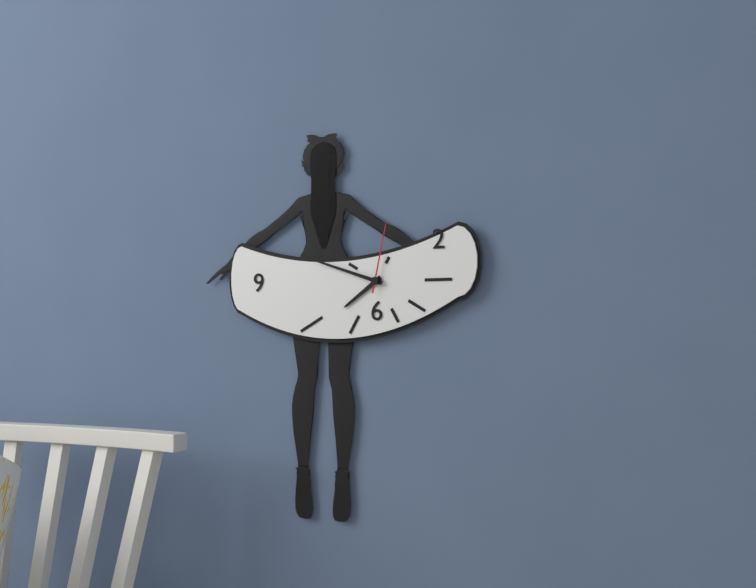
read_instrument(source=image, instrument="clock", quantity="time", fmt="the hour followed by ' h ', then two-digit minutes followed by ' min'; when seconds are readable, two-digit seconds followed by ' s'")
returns 7 h 48 min 02 s
